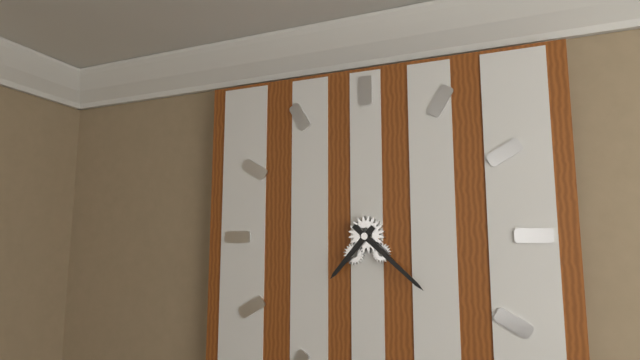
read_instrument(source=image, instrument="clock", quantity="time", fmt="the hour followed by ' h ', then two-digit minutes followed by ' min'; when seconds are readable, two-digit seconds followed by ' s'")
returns 7 h 22 min
